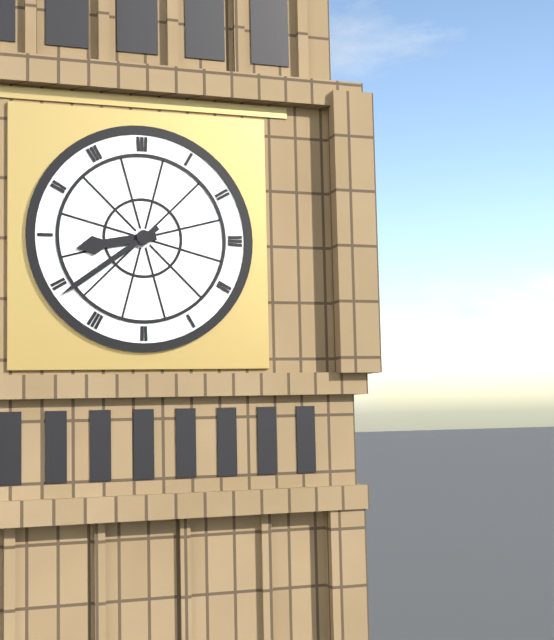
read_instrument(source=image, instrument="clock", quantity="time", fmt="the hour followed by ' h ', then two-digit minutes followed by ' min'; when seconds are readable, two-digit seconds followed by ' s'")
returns 8 h 39 min
